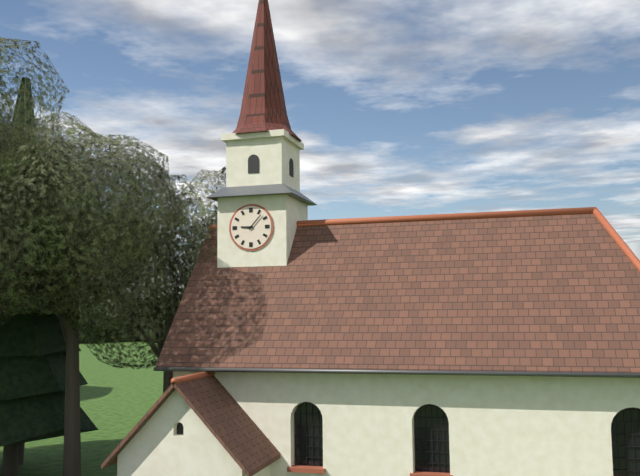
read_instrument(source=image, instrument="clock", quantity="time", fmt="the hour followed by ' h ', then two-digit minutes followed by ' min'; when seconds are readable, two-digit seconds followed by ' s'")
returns 9 h 07 min
